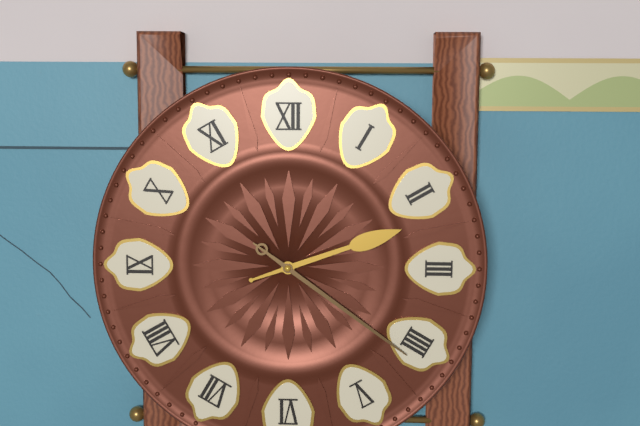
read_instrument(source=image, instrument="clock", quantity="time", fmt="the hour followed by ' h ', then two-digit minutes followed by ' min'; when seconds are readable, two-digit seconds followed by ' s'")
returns 2 h 21 min
